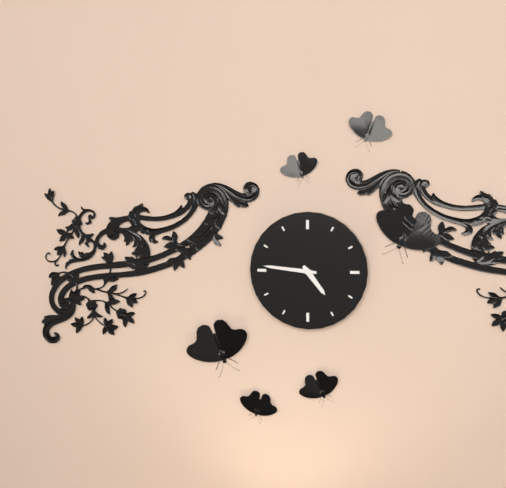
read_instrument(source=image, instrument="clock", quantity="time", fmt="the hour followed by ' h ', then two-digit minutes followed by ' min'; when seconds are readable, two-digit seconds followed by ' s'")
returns 4 h 46 min
